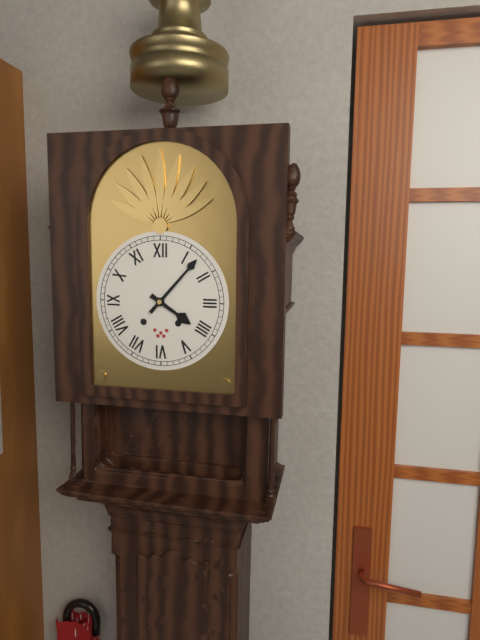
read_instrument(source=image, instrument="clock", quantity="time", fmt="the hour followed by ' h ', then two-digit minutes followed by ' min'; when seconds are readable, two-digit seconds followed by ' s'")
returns 4 h 07 min
